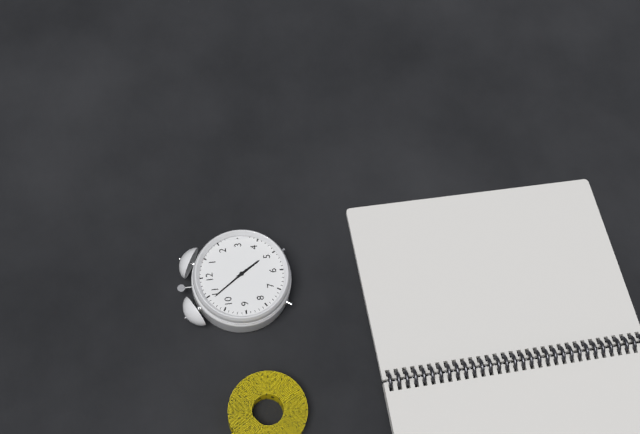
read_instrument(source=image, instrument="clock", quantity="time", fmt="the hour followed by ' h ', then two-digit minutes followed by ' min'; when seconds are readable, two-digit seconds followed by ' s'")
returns 4 h 54 min
